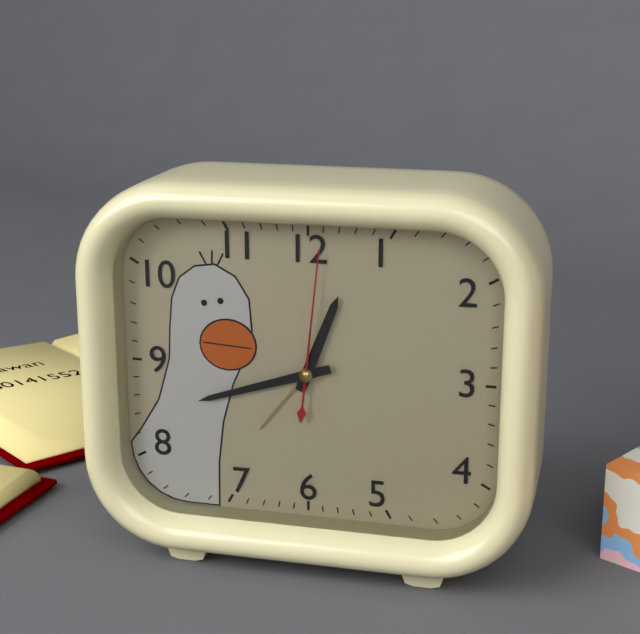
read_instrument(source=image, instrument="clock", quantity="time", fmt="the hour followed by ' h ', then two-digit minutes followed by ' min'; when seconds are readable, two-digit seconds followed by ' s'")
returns 12 h 42 min 01 s
